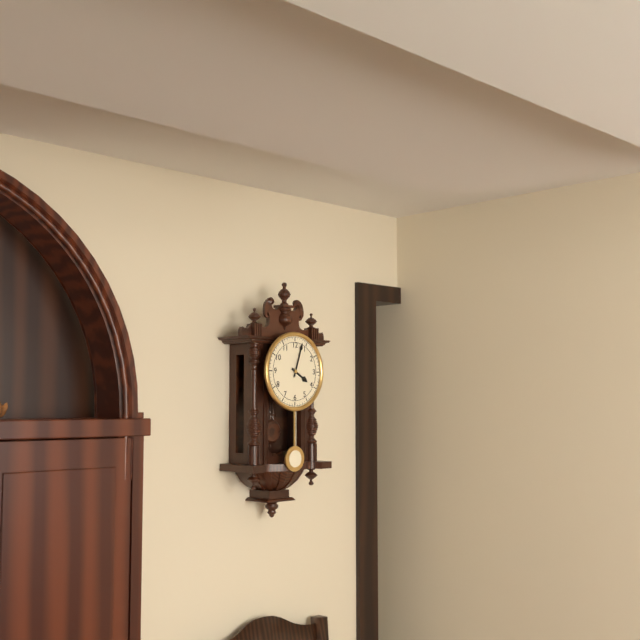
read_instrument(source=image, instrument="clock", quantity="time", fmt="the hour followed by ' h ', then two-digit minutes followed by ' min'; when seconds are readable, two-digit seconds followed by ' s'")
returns 4 h 03 min
